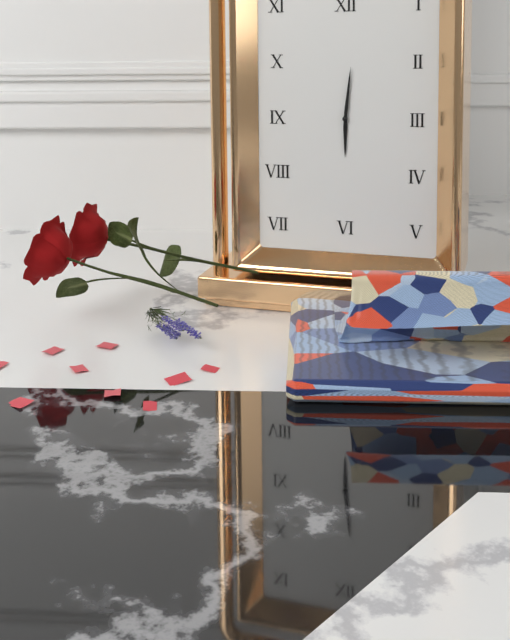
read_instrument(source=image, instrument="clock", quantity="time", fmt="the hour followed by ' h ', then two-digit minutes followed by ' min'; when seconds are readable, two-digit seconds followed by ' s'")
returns 6 h 01 min
